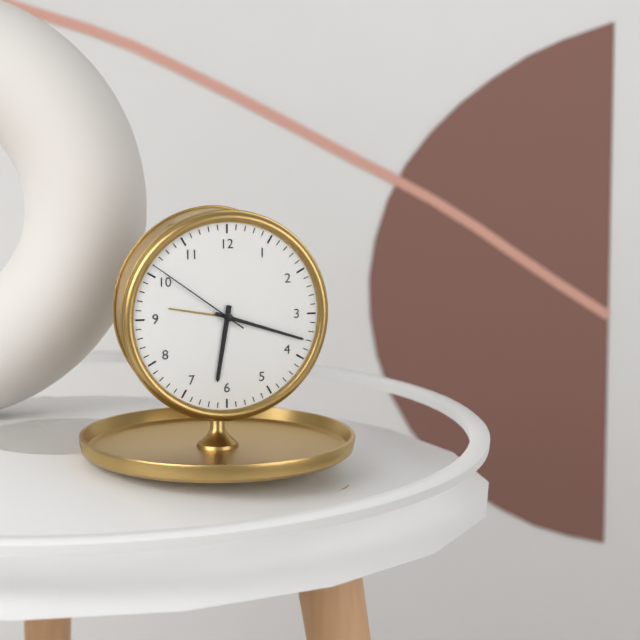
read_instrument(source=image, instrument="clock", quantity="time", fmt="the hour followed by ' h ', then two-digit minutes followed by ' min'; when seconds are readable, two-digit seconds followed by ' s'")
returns 6 h 18 min 51 s
